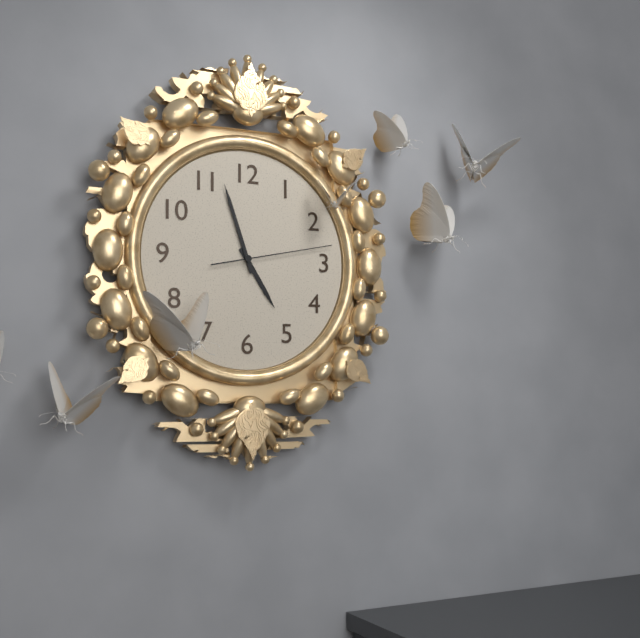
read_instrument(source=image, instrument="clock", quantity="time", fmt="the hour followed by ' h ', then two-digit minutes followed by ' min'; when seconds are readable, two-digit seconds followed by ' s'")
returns 4 h 57 min 13 s
